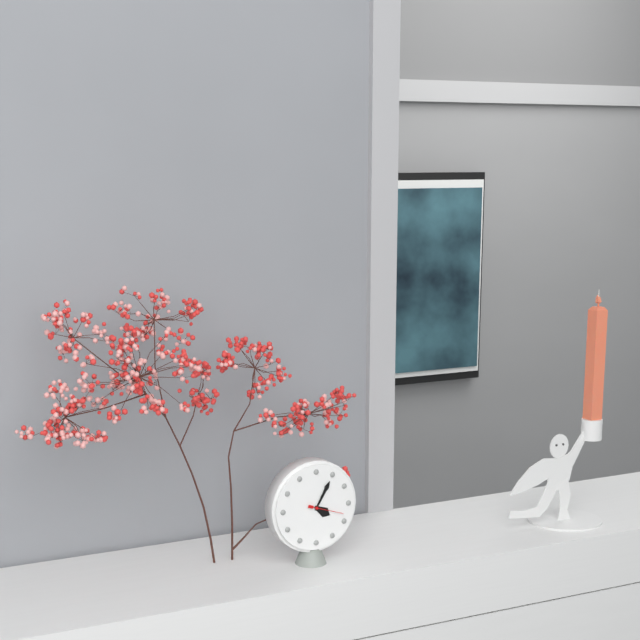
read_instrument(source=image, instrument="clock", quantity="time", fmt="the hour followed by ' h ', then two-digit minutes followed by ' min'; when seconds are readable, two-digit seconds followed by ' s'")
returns 4 h 05 min
